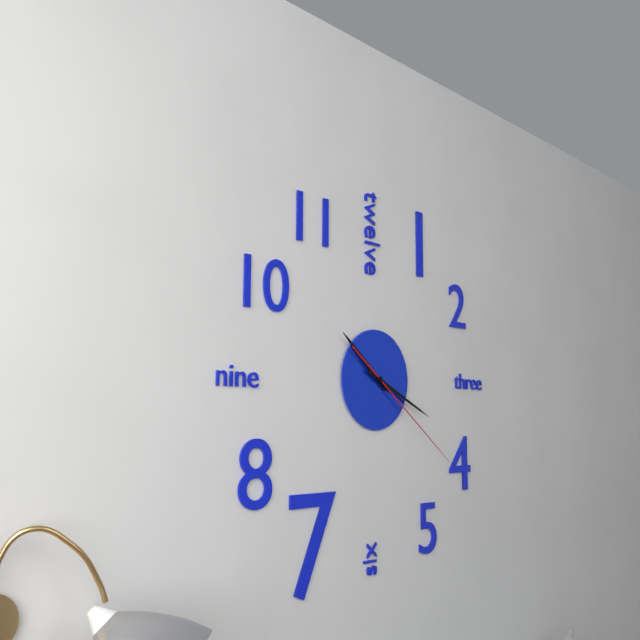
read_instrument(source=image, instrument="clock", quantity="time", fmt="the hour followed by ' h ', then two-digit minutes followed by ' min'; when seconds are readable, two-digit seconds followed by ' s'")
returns 10 h 19 min 21 s
